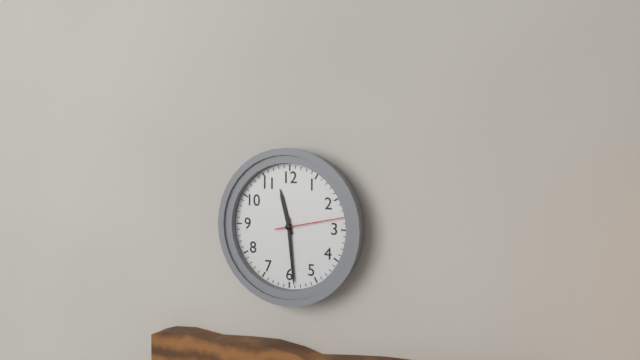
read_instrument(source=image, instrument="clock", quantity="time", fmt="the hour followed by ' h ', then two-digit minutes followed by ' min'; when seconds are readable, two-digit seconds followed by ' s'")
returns 11 h 29 min 13 s
